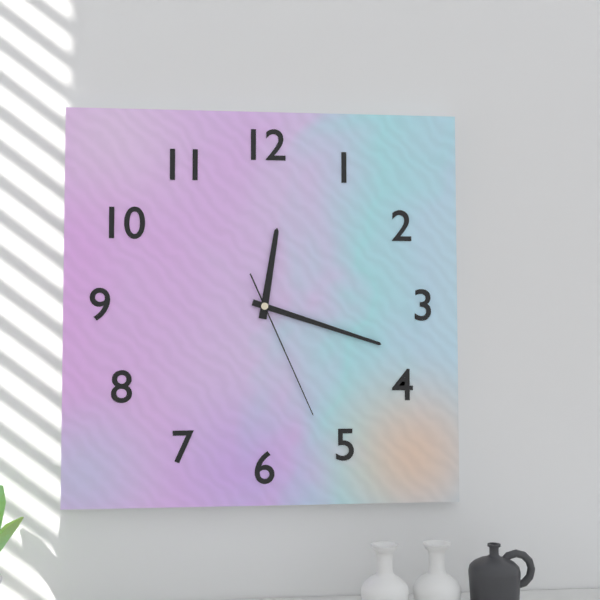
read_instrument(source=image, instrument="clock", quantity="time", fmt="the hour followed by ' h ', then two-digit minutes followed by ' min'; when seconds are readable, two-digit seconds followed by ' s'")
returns 12 h 18 min 26 s
